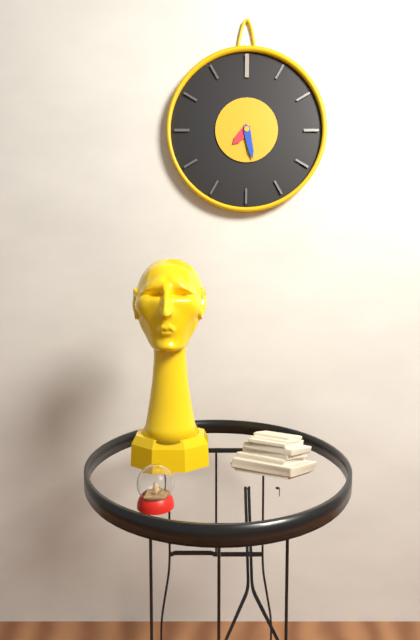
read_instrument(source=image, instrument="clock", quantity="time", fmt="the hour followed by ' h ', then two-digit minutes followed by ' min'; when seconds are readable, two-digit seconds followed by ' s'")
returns 7 h 28 min
